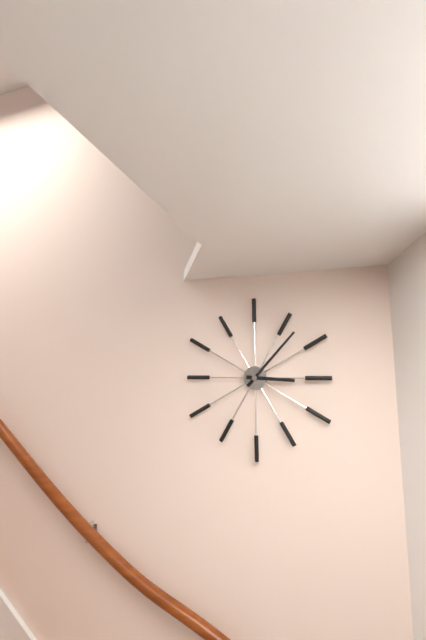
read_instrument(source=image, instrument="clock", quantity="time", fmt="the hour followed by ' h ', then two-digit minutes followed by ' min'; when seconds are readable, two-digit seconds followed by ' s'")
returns 3 h 07 min
